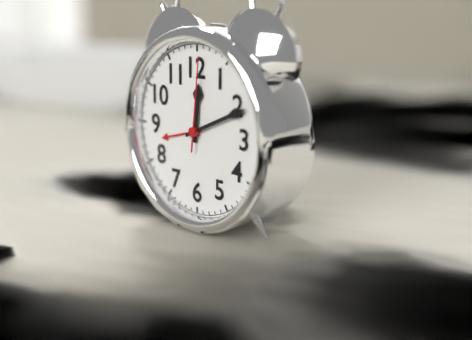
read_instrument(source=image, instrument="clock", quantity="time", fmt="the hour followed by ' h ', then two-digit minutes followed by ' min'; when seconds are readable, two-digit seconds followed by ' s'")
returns 12 h 11 min 01 s
